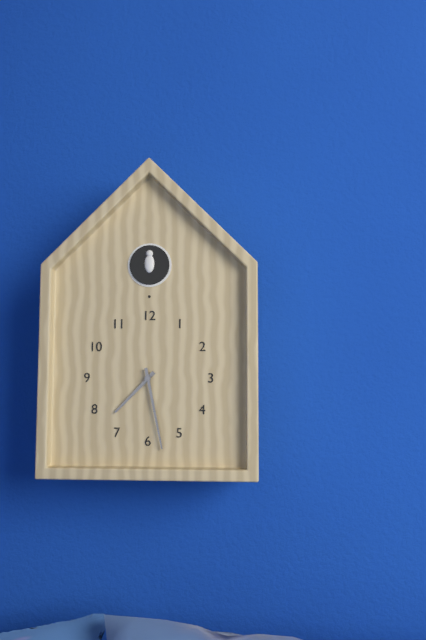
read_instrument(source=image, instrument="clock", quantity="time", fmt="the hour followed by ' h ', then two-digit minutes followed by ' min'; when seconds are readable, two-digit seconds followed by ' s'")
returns 7 h 28 min
